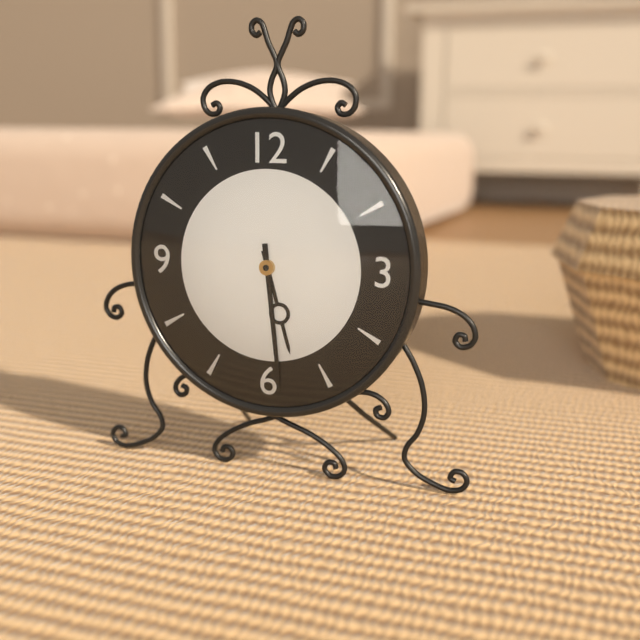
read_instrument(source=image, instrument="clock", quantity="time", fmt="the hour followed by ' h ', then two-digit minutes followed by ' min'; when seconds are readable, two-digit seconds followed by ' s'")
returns 5 h 29 min
